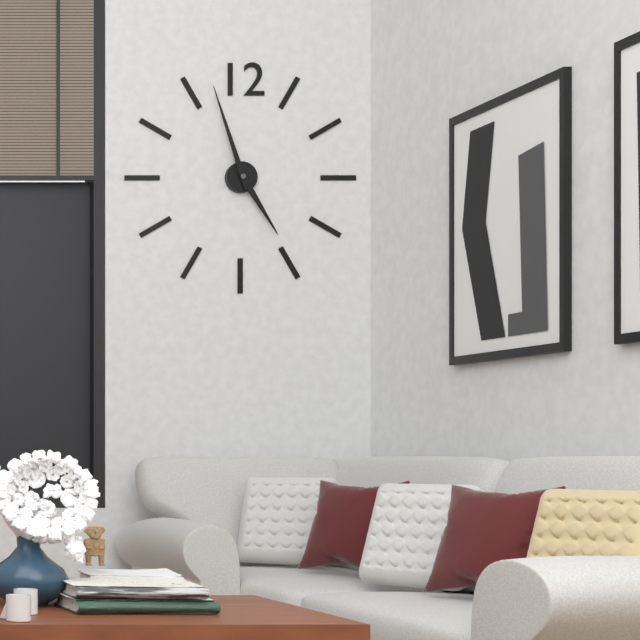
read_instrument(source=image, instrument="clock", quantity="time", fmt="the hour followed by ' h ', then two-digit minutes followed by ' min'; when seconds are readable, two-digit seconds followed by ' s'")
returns 4 h 57 min
